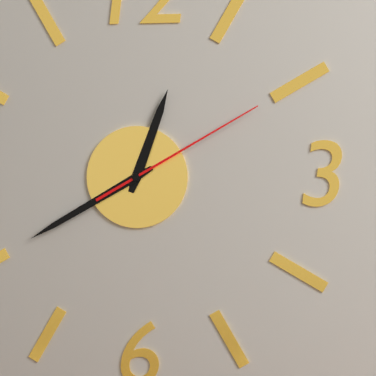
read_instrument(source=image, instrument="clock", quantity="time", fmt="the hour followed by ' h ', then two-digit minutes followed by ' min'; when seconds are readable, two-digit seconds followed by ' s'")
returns 12 h 40 min 10 s
